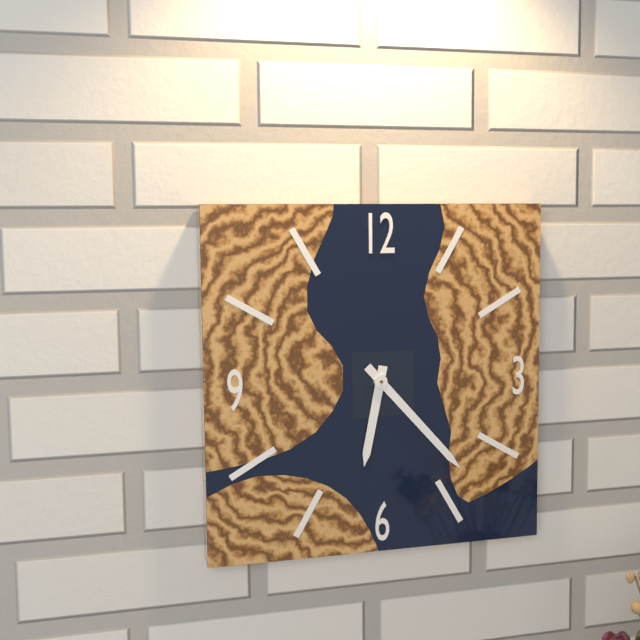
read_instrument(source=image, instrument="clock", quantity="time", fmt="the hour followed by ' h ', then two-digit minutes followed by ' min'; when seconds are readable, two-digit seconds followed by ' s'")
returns 6 h 23 min
